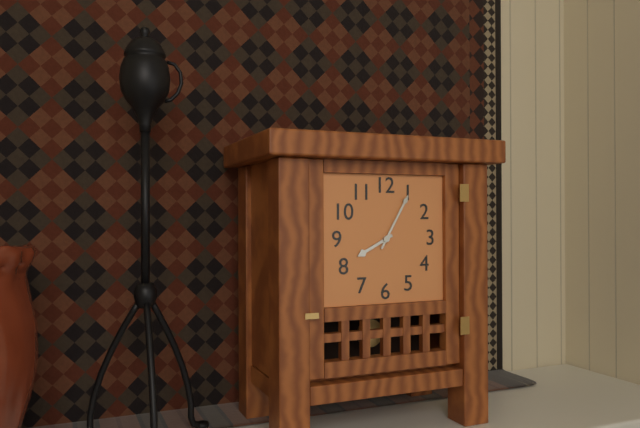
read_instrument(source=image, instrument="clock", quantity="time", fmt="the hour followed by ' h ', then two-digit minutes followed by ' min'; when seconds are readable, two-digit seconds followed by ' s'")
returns 8 h 05 min
